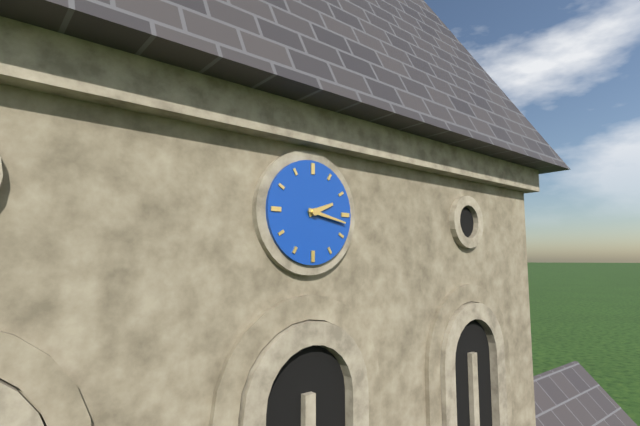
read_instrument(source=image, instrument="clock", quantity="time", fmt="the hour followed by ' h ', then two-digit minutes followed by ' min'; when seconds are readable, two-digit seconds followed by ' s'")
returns 2 h 17 min
